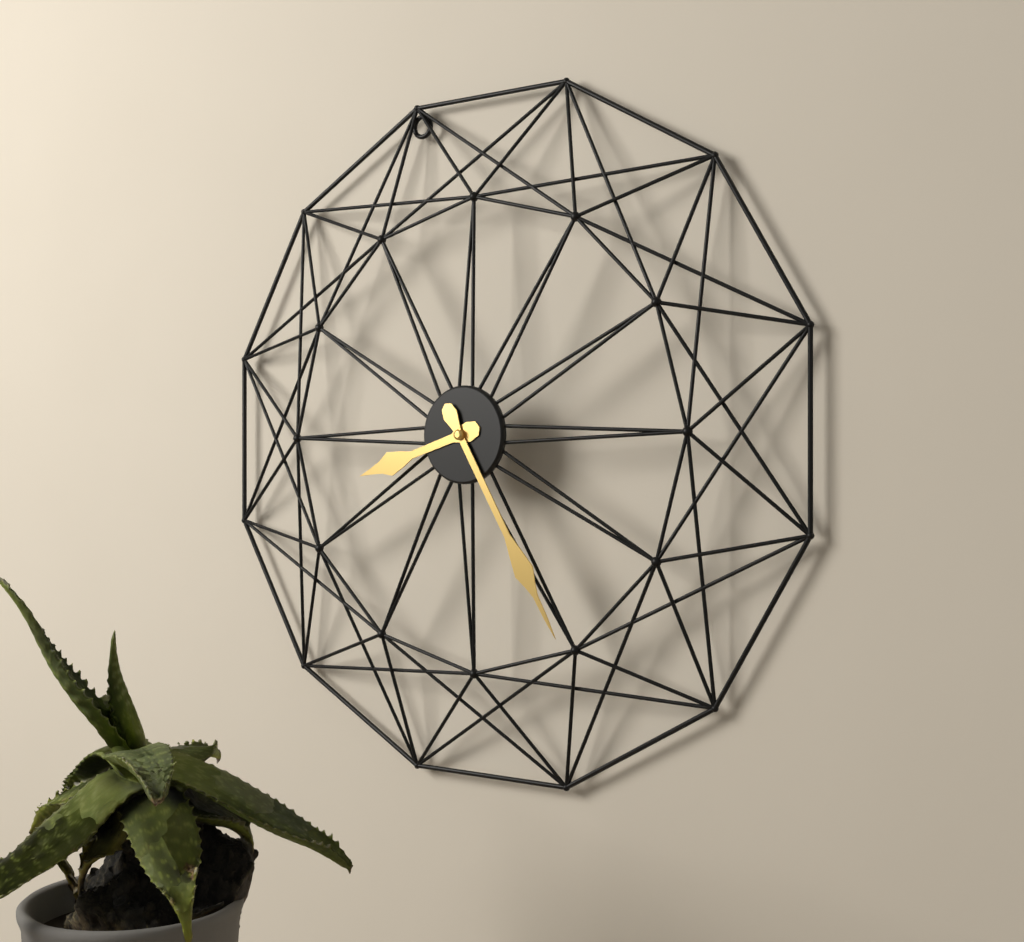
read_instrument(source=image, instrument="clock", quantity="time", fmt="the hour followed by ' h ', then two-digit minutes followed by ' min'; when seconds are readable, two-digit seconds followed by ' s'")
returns 8 h 25 min
